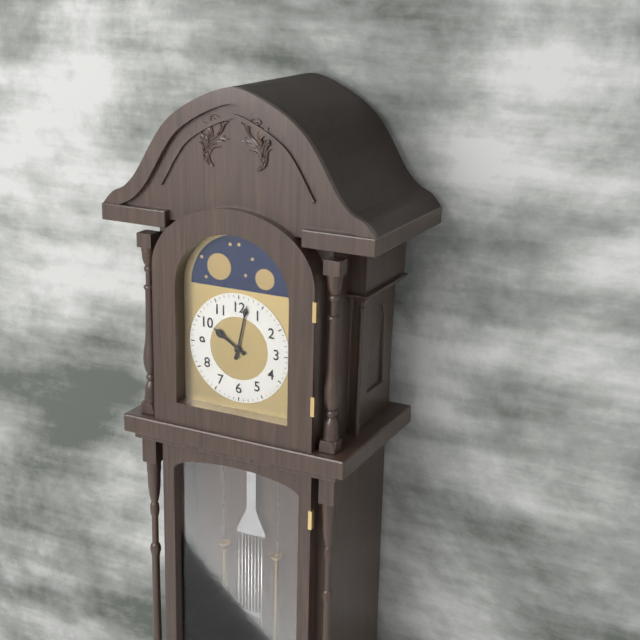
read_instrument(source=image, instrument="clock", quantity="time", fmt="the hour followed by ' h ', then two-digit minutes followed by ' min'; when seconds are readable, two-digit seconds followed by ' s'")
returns 10 h 02 min
